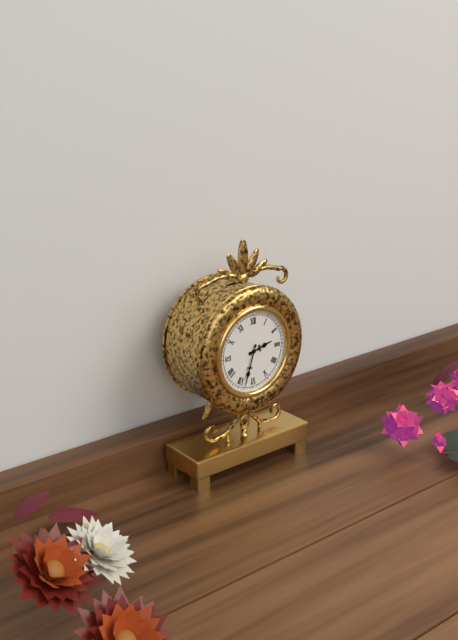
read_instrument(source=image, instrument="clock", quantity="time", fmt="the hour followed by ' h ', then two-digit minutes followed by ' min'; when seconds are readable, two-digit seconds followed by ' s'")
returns 2 h 33 min
